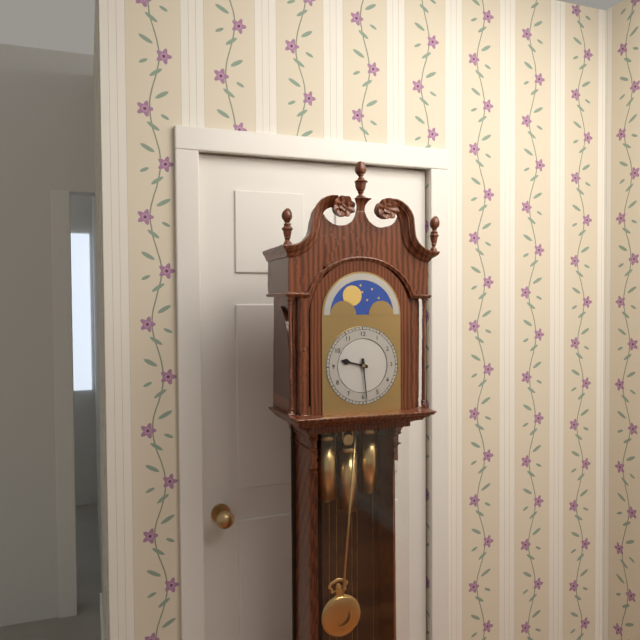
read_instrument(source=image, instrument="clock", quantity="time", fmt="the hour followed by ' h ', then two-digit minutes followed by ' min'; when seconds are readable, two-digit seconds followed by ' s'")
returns 9 h 29 min
